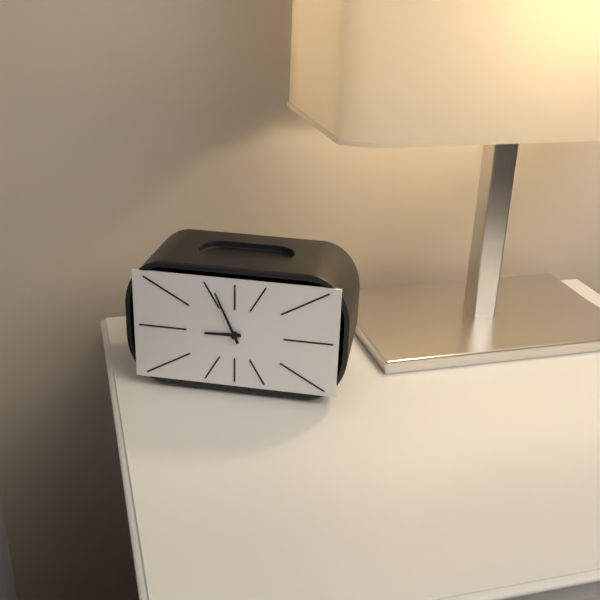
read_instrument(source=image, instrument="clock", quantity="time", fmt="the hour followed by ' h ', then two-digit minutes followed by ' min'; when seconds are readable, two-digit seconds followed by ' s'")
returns 8 h 56 min
